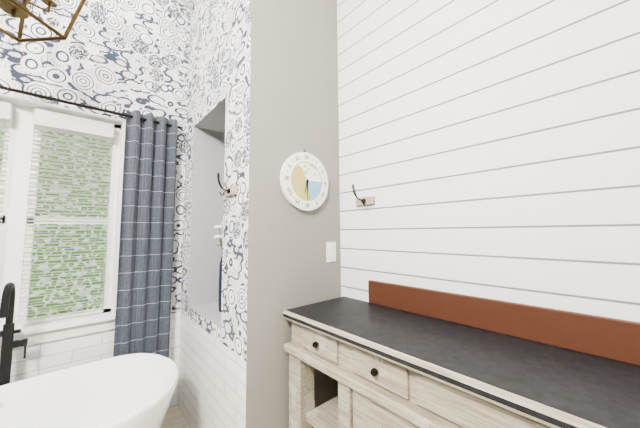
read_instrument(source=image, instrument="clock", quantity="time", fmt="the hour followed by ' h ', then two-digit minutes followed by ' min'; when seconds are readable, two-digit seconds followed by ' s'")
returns 6 h 30 min
